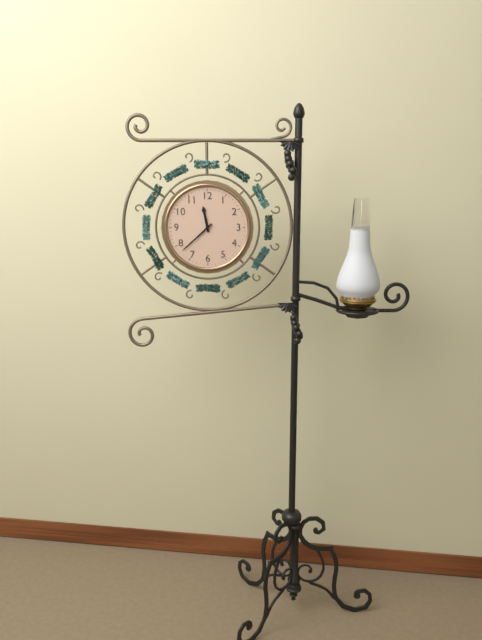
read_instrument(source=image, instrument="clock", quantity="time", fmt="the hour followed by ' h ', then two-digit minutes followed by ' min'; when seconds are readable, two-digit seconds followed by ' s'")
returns 11 h 38 min
